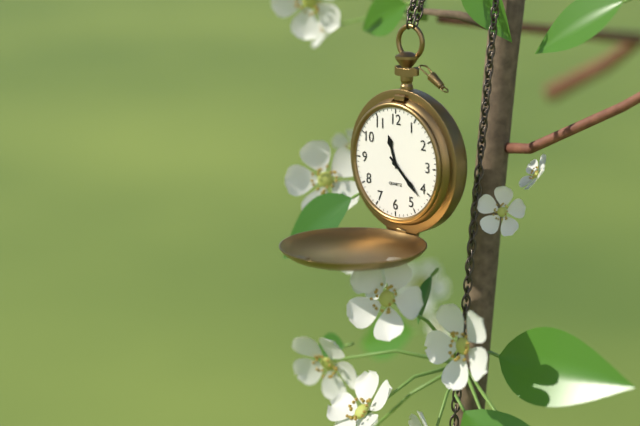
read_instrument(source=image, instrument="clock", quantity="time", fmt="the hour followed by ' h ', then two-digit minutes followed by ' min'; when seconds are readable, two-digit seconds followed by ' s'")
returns 11 h 22 min
